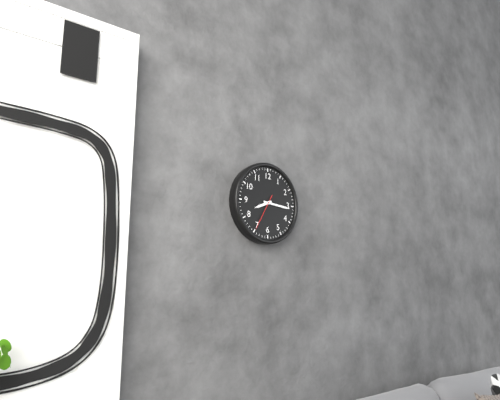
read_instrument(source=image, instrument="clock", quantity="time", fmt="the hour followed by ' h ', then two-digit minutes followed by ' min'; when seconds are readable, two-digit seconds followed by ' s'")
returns 8 h 16 min
